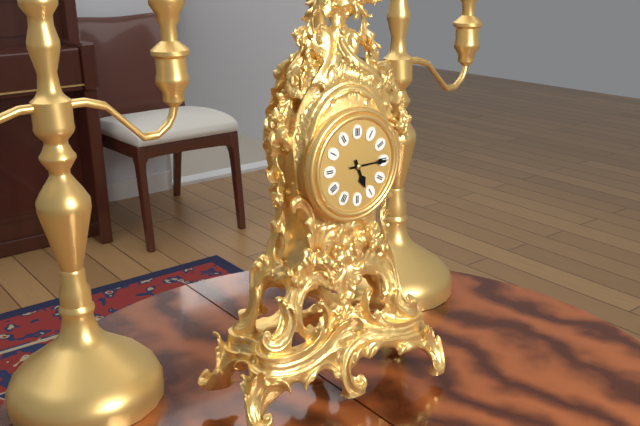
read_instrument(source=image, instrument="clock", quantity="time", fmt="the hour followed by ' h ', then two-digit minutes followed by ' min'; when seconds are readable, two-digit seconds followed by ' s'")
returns 5 h 15 min
